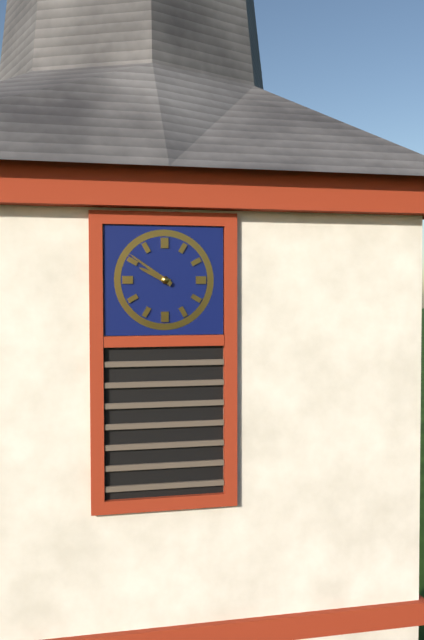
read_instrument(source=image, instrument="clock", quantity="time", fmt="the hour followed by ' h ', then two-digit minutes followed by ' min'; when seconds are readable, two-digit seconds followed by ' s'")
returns 9 h 51 min
